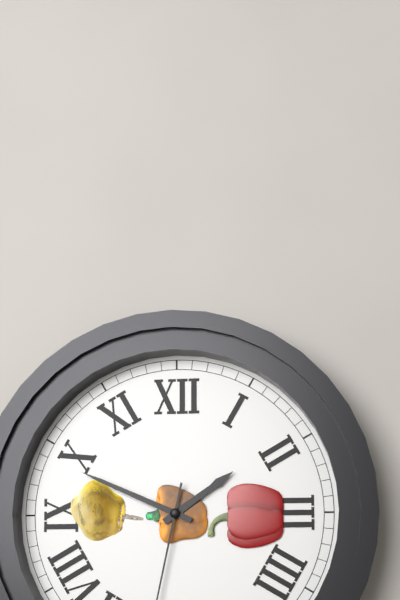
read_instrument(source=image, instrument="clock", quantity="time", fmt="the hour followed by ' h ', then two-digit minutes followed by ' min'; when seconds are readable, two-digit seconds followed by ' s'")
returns 1 h 49 min
